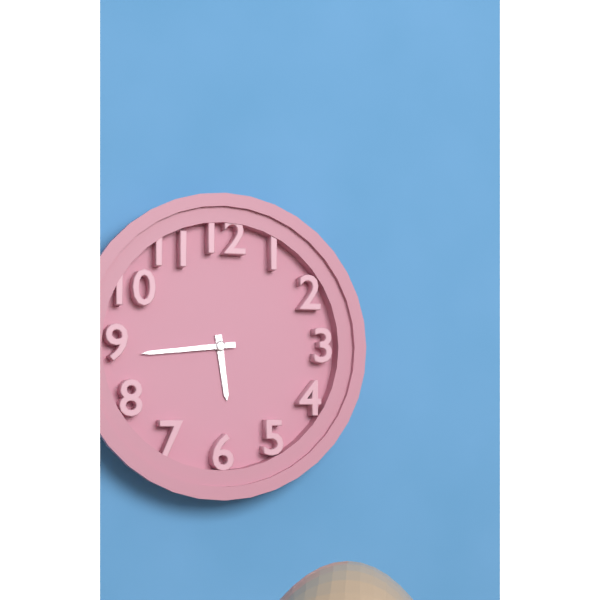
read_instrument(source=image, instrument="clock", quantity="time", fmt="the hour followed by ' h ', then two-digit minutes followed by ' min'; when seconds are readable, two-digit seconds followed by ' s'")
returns 5 h 44 min
